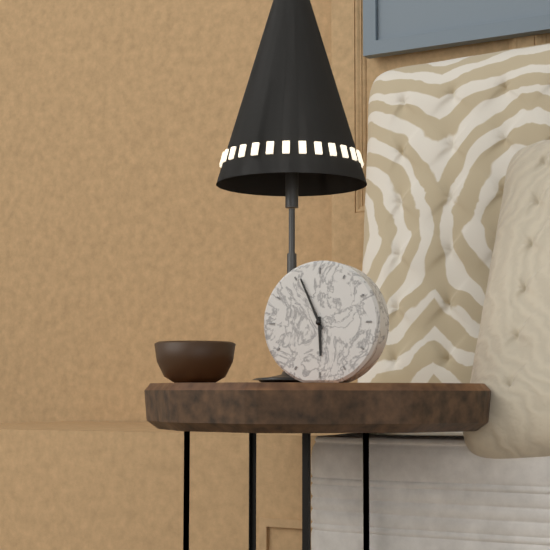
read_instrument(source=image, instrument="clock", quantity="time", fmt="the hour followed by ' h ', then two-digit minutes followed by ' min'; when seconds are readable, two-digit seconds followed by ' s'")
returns 5 h 56 min
